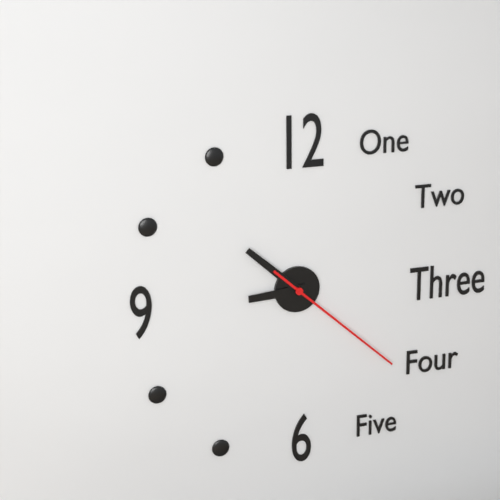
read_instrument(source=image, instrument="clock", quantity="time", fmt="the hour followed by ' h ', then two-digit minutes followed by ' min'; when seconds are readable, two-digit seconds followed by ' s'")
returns 8 h 52 min 22 s
